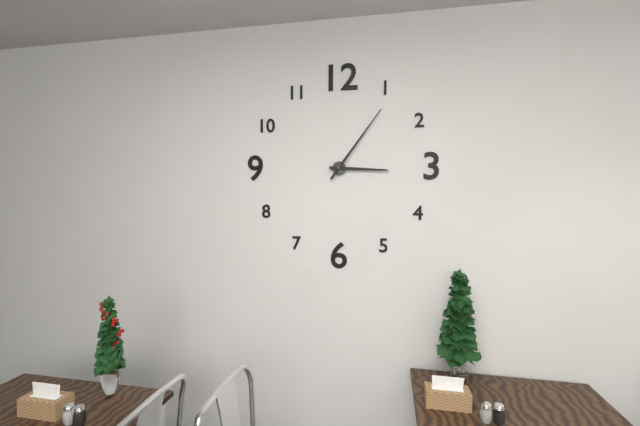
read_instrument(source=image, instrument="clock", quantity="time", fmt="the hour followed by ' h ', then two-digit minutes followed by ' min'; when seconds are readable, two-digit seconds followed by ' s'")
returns 3 h 06 min
